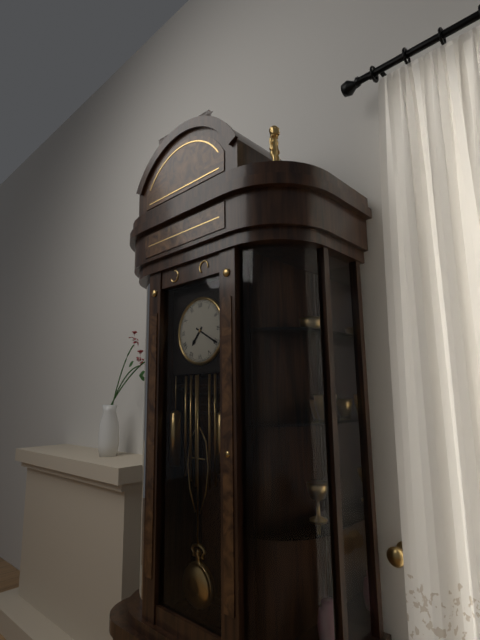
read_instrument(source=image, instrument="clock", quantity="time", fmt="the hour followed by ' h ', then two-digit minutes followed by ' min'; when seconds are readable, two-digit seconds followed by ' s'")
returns 7 h 20 min
